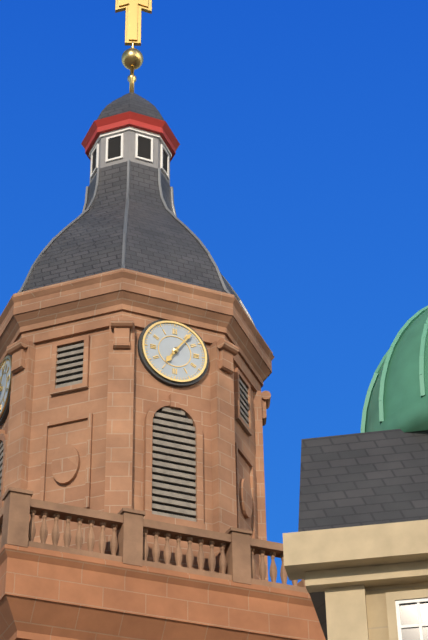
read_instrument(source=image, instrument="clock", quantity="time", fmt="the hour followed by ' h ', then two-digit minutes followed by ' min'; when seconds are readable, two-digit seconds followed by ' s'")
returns 7 h 06 min
